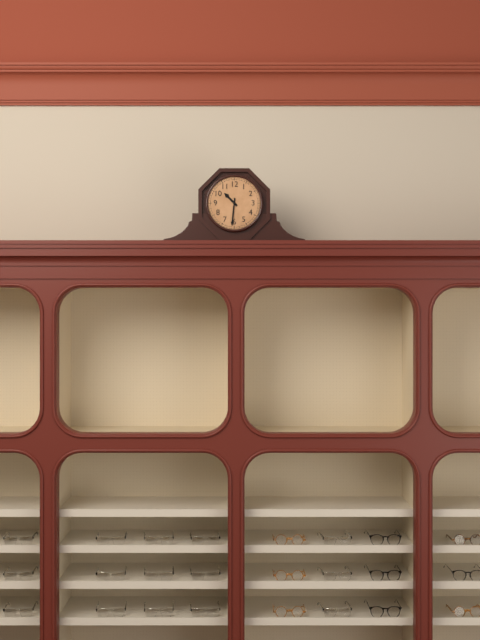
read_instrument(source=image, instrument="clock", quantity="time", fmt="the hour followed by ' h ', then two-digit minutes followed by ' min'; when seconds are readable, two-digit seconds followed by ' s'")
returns 10 h 31 min
